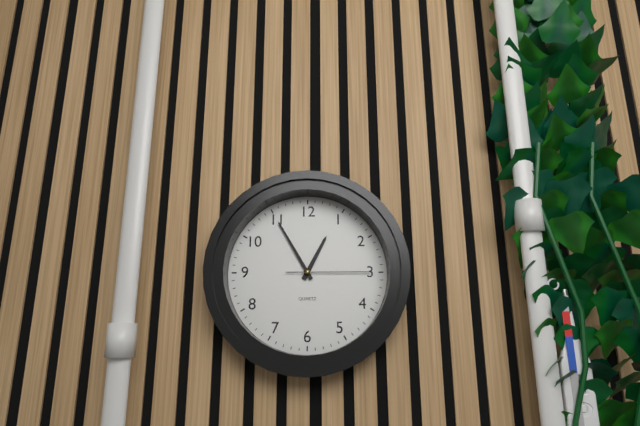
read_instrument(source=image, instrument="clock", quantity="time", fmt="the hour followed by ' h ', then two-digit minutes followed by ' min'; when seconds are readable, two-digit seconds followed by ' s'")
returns 12 h 55 min 15 s
